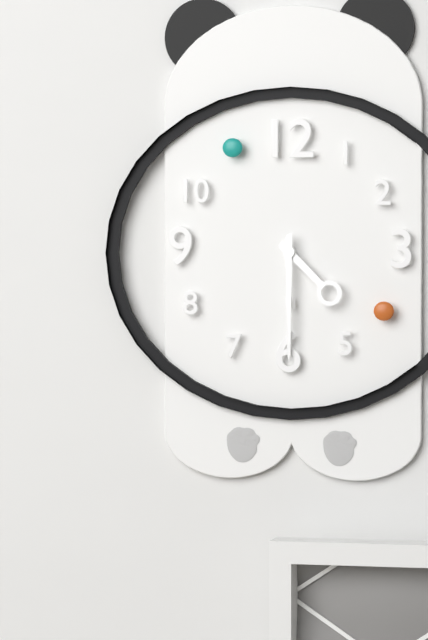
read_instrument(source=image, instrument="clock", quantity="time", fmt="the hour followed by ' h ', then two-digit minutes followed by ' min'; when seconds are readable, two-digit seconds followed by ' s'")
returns 4 h 30 min
